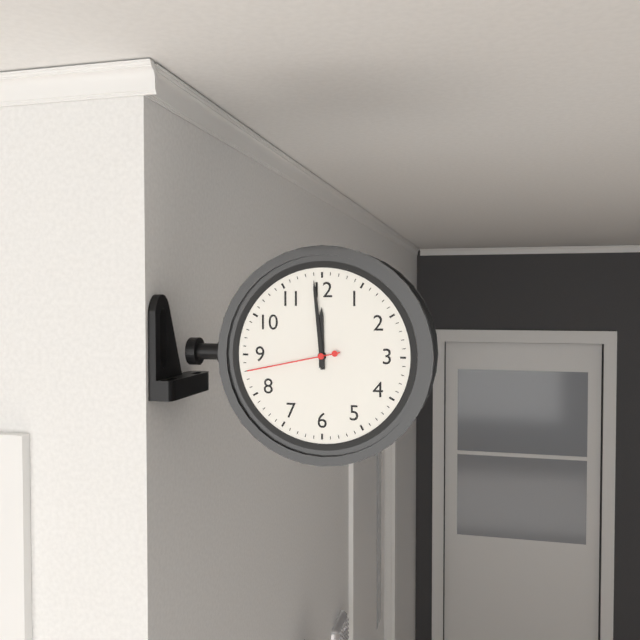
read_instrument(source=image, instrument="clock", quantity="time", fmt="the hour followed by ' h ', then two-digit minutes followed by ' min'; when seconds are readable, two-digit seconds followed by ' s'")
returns 11 h 59 min 43 s
